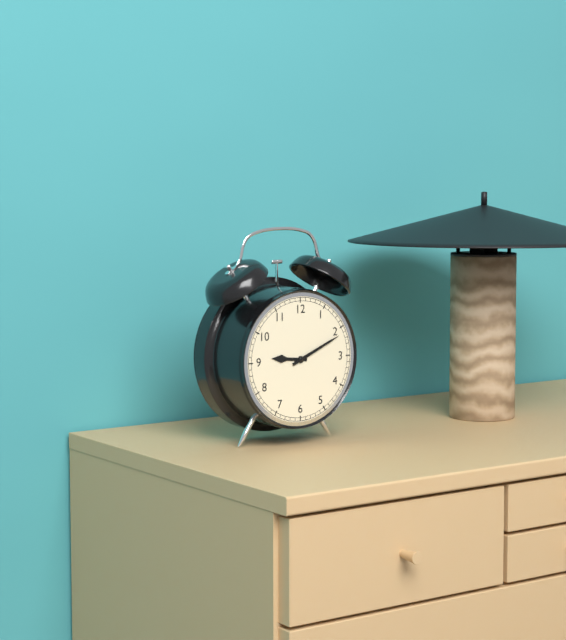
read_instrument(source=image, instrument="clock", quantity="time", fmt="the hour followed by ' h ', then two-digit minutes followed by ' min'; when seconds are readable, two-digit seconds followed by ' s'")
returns 9 h 11 min
